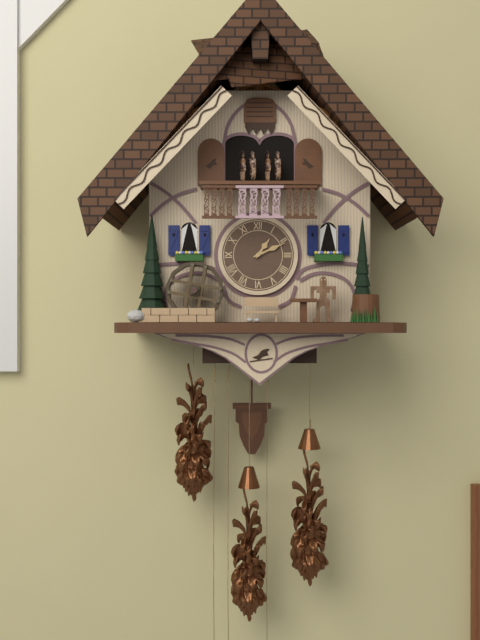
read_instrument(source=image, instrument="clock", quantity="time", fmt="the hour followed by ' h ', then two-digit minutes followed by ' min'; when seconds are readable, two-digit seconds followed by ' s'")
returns 1 h 11 min
